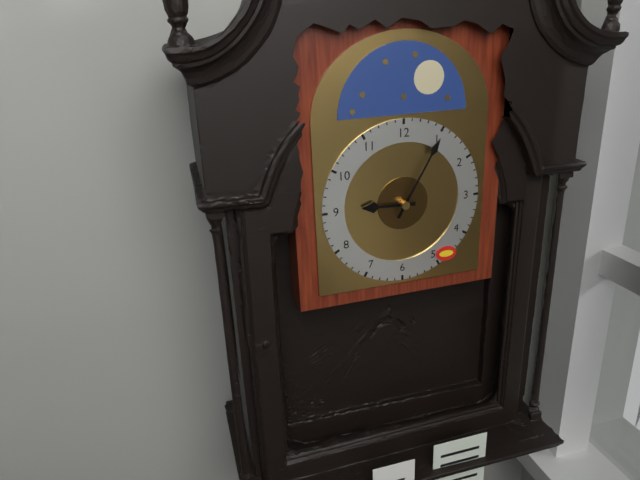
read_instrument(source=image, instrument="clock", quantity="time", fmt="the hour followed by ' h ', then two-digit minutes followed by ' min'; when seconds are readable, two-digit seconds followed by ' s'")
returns 9 h 05 min
